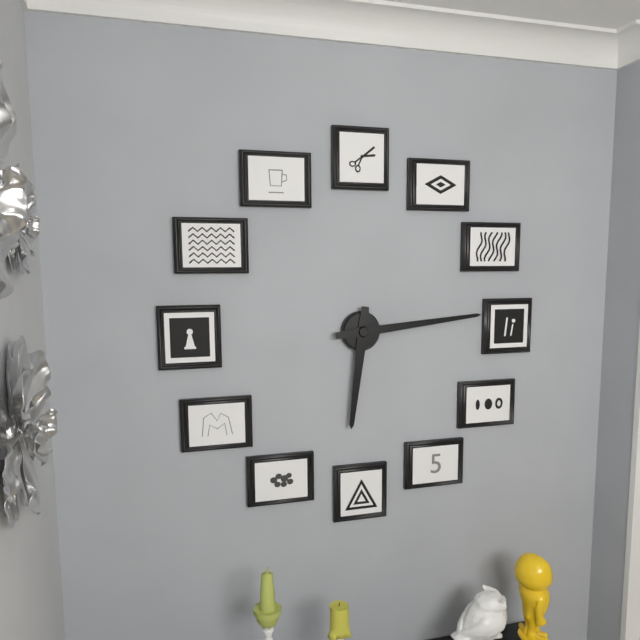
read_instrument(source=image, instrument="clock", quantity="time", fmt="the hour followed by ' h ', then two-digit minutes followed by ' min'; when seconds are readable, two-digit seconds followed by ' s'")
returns 6 h 14 min
